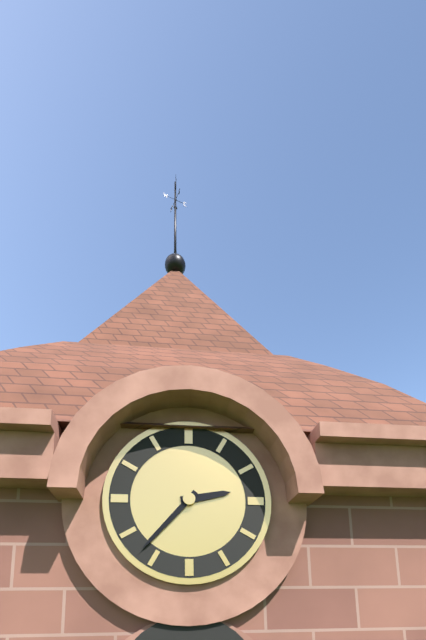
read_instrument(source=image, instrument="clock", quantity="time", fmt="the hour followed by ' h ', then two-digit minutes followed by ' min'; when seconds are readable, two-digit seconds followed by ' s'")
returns 2 h 37 min
